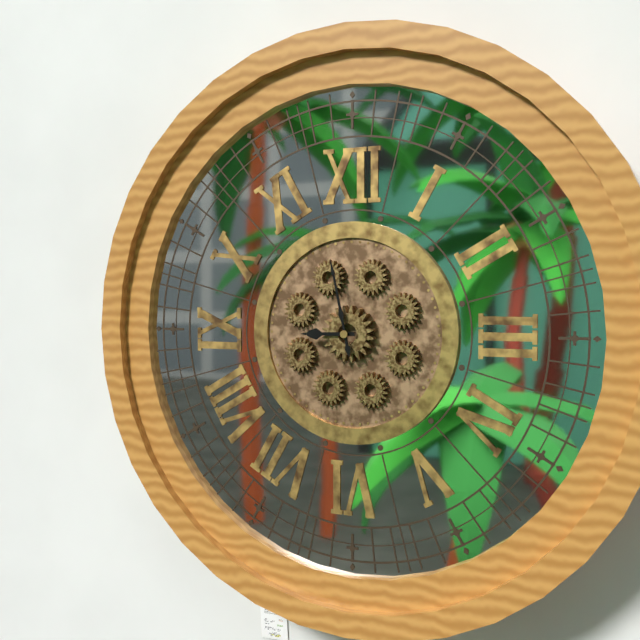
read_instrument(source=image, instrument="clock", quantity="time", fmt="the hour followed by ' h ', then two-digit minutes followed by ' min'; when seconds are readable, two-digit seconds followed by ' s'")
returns 8 h 58 min
